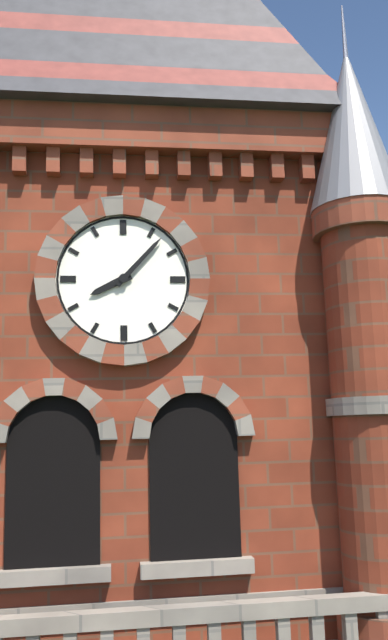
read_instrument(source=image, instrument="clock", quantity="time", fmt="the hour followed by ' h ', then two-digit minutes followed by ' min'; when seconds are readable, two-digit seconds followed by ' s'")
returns 8 h 07 min
